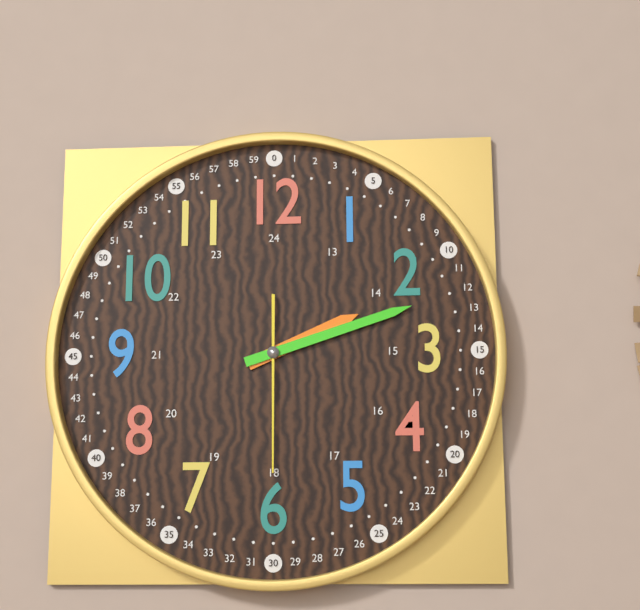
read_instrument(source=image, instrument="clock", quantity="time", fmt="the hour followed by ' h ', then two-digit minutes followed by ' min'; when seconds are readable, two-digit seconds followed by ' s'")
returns 2 h 12 min 30 s
